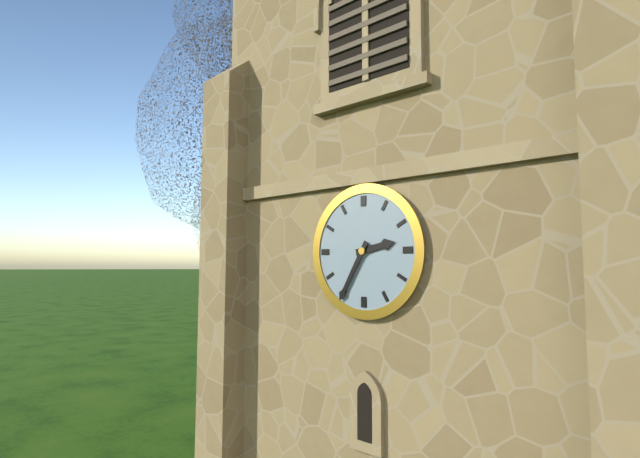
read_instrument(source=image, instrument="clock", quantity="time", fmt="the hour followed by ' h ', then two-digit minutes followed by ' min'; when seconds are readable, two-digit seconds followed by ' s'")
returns 2 h 35 min
